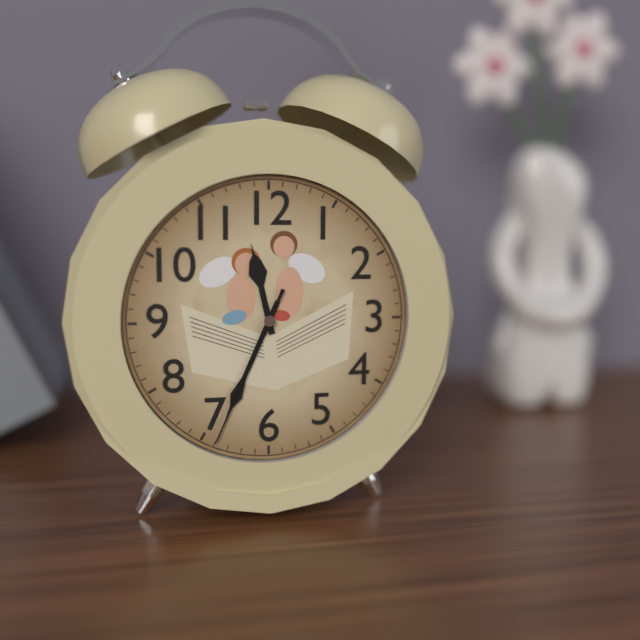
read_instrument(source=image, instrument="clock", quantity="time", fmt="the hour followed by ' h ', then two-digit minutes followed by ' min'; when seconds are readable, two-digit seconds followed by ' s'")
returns 11 h 34 min 34 s
